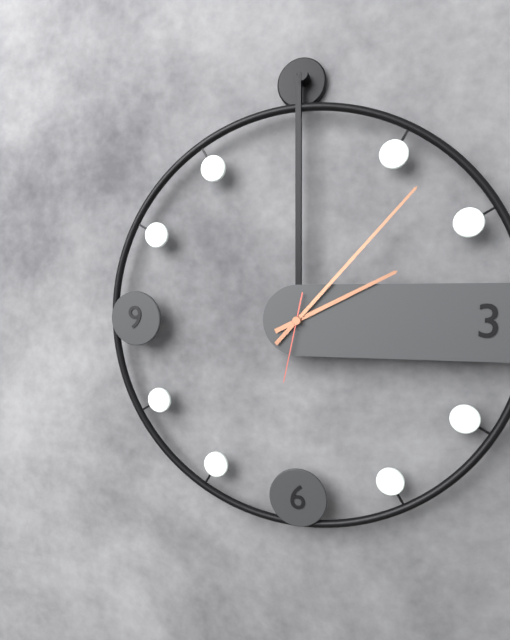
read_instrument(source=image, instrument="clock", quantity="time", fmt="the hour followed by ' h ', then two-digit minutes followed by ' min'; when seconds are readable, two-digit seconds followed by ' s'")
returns 2 h 07 min 32 s
